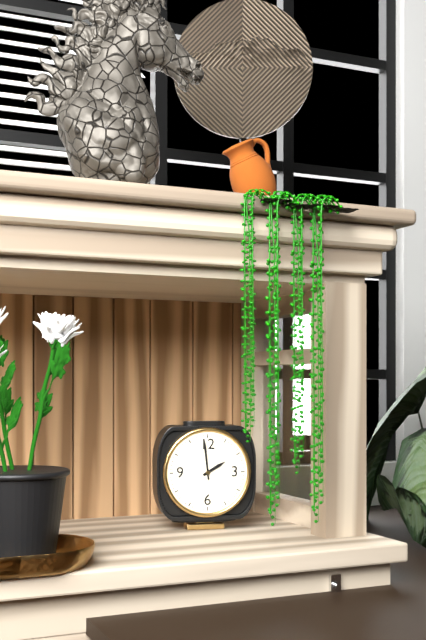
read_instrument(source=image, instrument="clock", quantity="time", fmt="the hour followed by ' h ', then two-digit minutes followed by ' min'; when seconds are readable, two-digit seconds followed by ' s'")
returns 1 h 59 min
